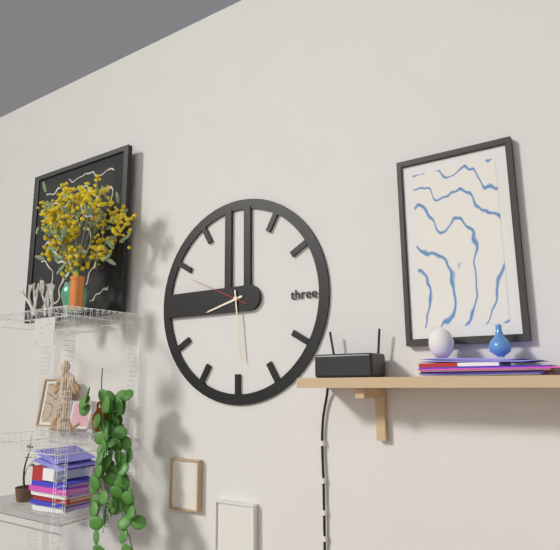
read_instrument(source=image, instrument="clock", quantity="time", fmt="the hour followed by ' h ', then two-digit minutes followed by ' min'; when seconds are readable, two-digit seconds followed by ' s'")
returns 8 h 29 min 49 s
